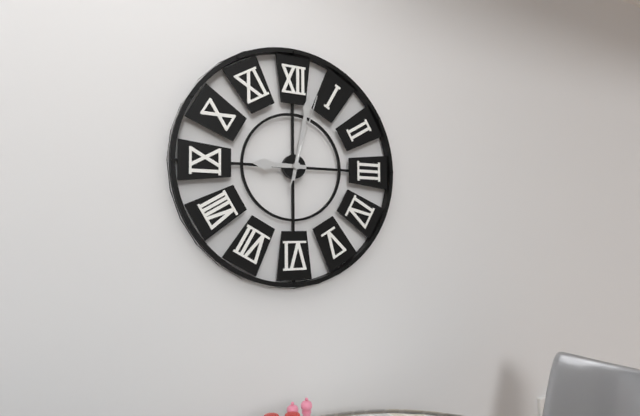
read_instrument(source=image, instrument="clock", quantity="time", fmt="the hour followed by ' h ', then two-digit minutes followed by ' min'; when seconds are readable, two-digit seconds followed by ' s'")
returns 9 h 02 min 03 s
